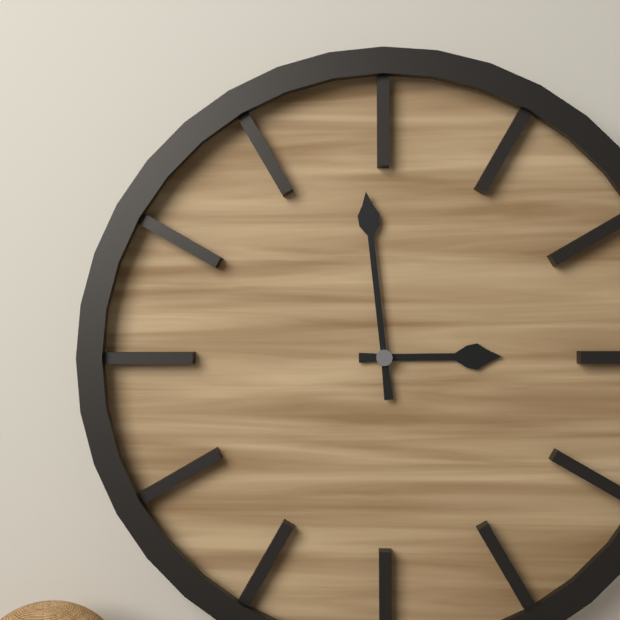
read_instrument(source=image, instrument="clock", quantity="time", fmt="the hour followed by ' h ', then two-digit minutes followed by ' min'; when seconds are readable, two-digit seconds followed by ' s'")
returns 2 h 59 min
